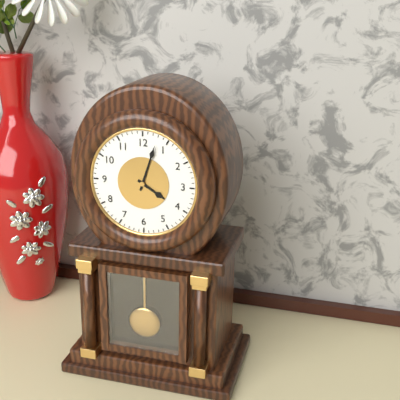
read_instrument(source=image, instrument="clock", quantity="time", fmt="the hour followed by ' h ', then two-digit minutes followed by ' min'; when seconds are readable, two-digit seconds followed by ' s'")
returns 4 h 03 min
